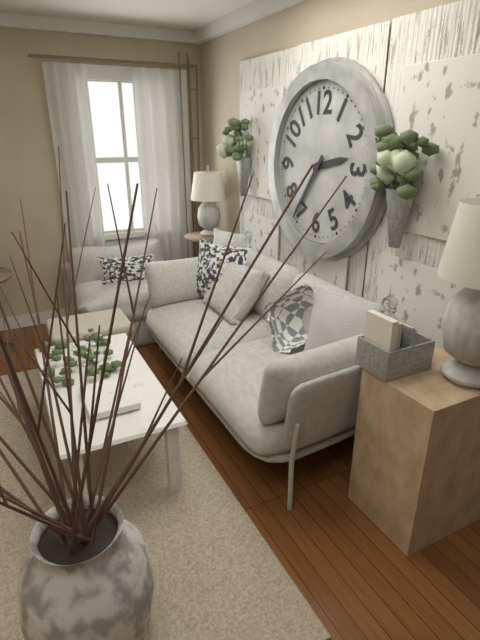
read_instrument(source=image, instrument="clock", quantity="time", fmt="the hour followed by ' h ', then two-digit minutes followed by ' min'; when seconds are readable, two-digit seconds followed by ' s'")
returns 2 h 36 min
